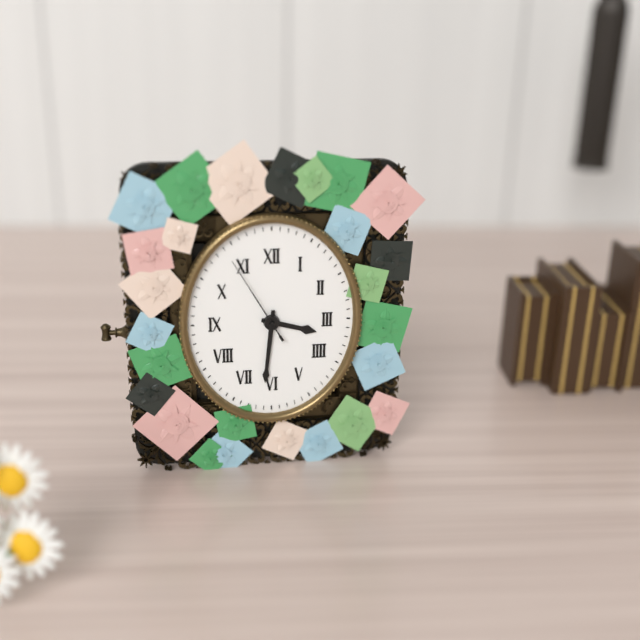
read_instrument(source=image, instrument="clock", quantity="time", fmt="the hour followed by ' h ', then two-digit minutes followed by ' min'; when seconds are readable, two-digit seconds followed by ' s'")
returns 3 h 31 min 55 s
